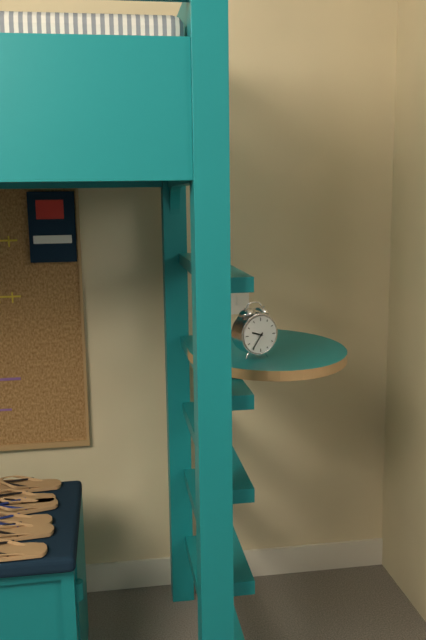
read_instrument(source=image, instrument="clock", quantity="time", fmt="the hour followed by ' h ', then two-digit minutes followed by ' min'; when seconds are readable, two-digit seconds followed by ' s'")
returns 9 h 36 min
